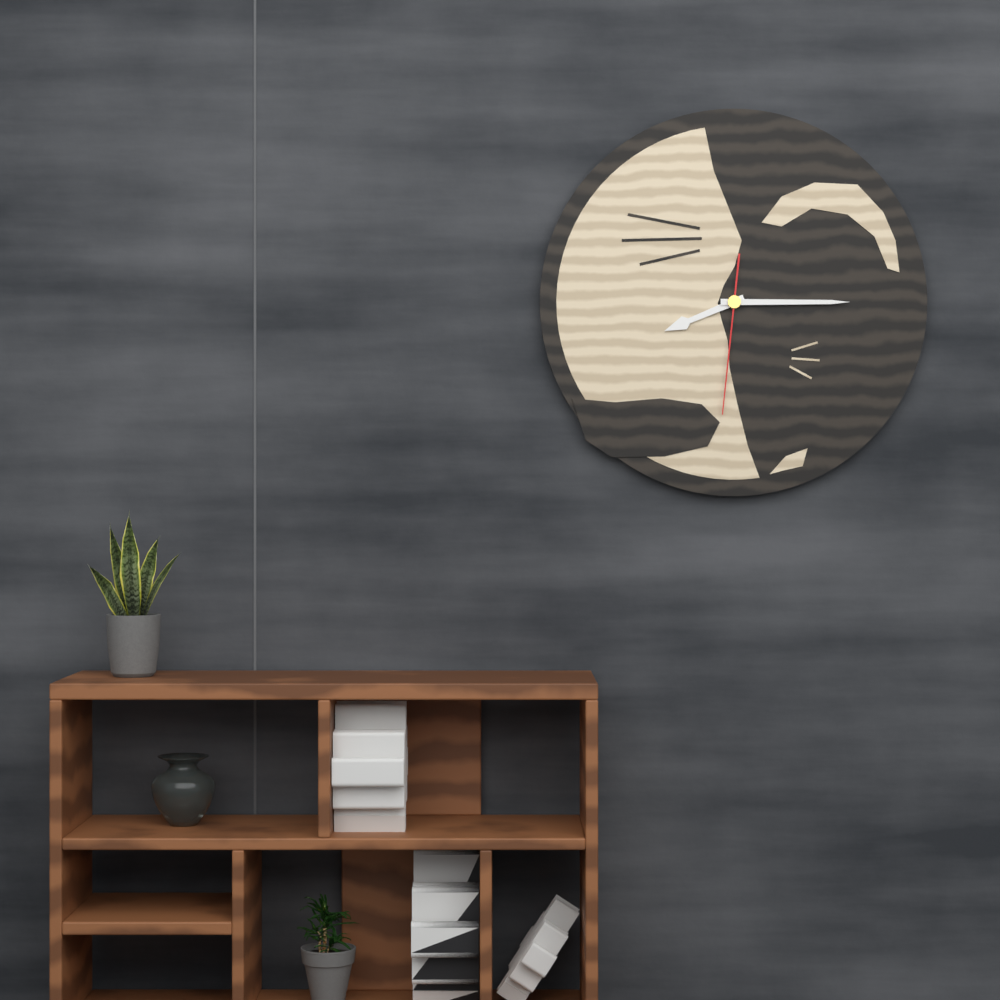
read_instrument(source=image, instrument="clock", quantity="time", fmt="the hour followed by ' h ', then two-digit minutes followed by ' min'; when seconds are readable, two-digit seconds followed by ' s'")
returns 8 h 15 min 31 s
